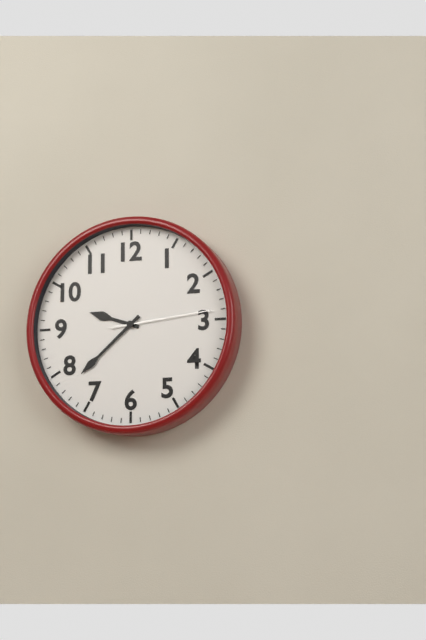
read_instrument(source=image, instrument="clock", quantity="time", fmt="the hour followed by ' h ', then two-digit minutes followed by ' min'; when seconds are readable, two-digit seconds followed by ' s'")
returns 9 h 38 min 14 s
